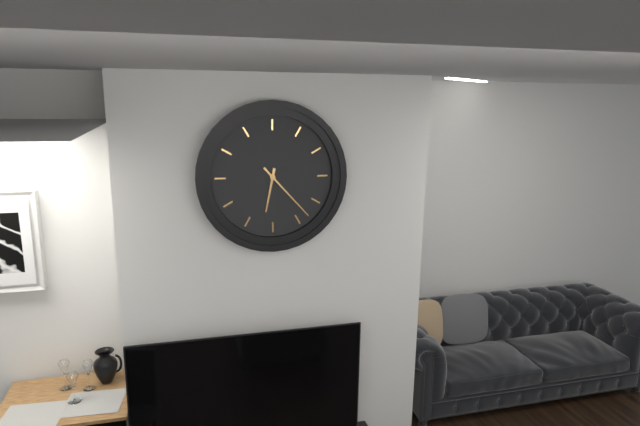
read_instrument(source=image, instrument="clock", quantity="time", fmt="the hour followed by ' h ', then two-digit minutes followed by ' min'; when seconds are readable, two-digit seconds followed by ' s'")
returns 6 h 23 min
